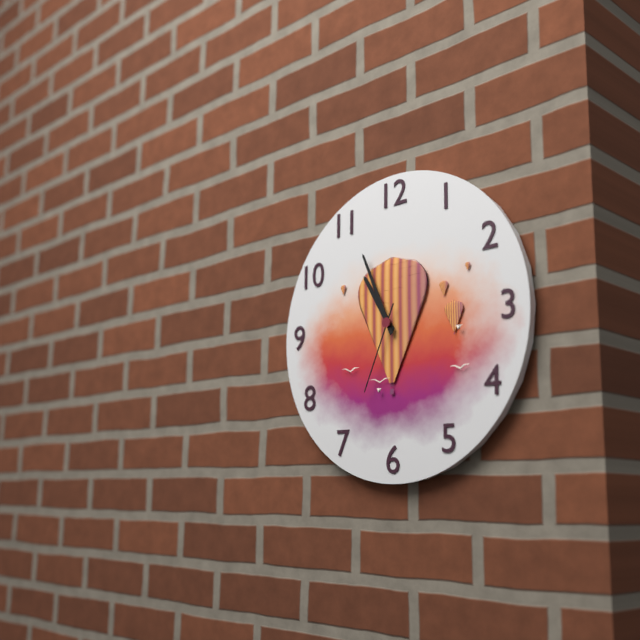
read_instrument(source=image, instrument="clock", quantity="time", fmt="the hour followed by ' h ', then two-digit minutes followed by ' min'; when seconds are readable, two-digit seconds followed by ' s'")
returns 10 h 56 min 34 s
